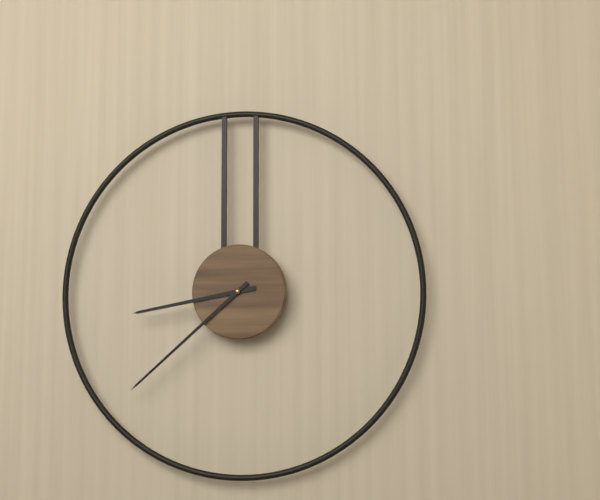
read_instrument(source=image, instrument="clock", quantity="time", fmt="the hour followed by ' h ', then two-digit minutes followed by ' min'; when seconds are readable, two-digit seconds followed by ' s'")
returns 8 h 38 min
